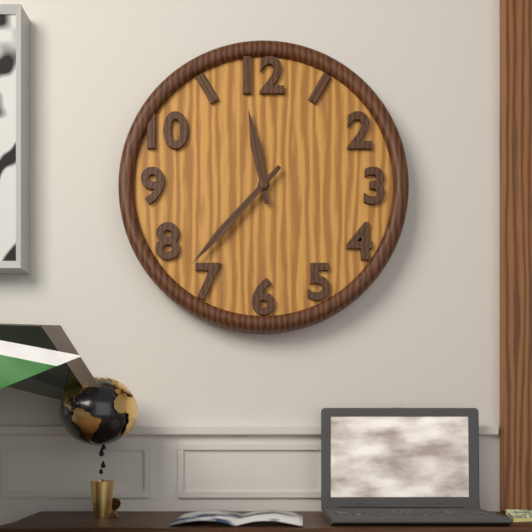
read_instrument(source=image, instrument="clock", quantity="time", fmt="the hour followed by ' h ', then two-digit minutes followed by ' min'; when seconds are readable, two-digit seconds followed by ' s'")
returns 11 h 37 min
